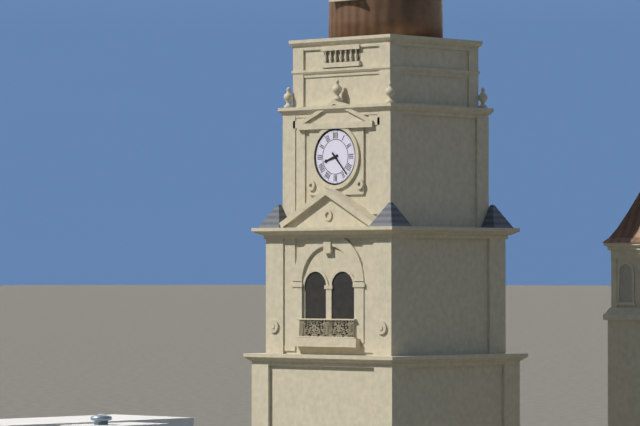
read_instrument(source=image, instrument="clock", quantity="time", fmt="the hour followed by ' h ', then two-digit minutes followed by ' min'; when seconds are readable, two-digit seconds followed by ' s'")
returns 8 h 23 min
